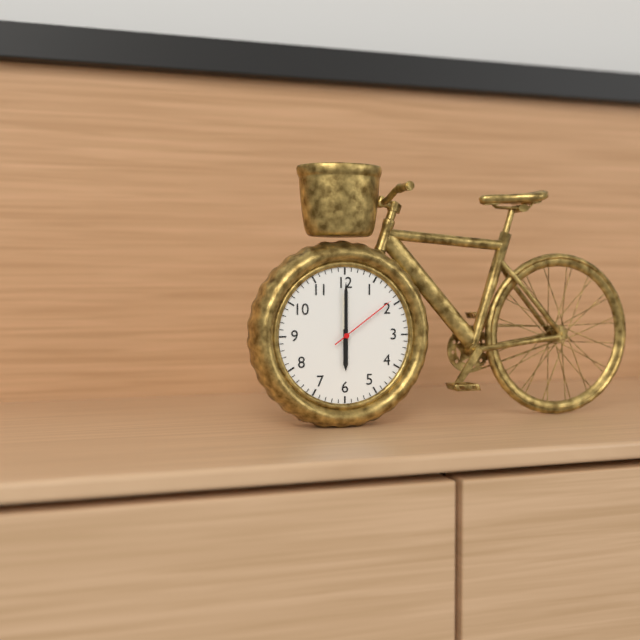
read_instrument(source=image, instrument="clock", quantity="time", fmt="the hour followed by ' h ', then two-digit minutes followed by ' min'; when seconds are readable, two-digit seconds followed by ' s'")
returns 6 h 00 min 09 s
